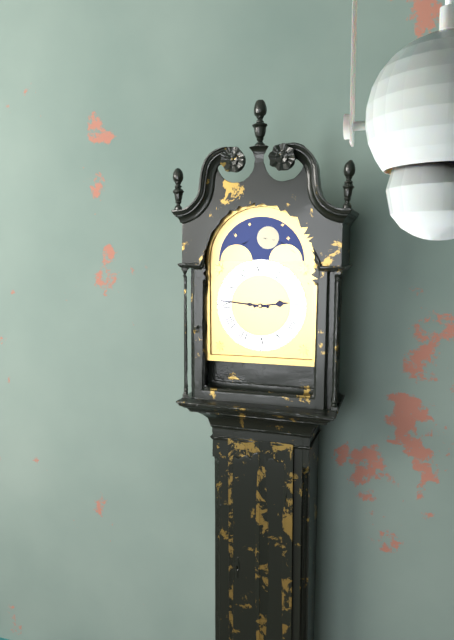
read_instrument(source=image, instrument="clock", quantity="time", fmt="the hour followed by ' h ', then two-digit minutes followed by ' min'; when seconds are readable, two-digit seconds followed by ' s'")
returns 2 h 46 min
